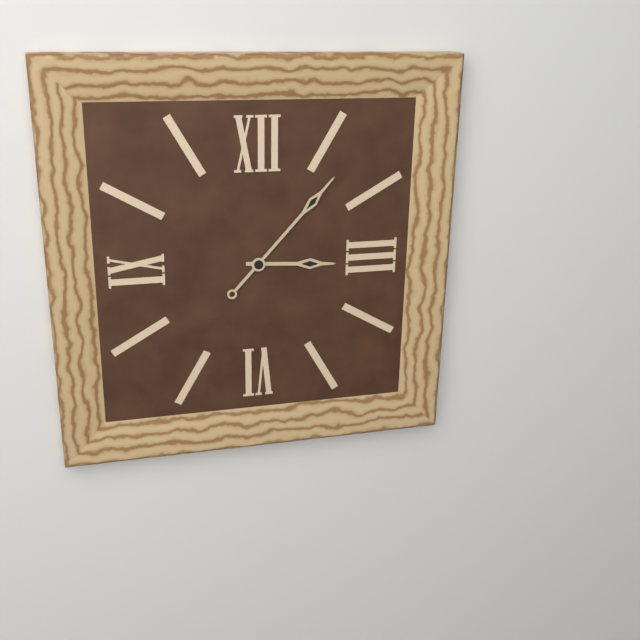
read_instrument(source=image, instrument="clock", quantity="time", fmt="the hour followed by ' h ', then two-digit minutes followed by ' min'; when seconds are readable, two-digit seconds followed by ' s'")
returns 3 h 07 min
